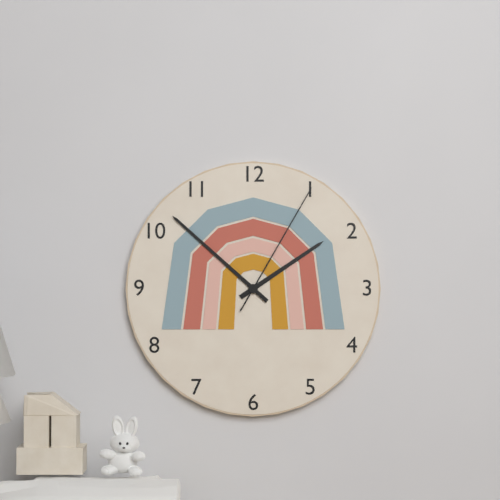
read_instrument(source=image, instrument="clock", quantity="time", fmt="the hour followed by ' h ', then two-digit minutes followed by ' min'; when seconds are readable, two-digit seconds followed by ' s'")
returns 1 h 52 min 05 s
